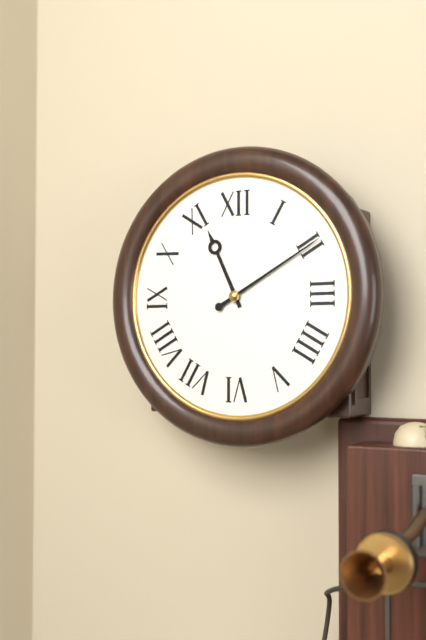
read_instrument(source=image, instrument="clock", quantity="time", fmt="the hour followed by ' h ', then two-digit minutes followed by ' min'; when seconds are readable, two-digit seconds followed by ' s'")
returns 11 h 10 min
